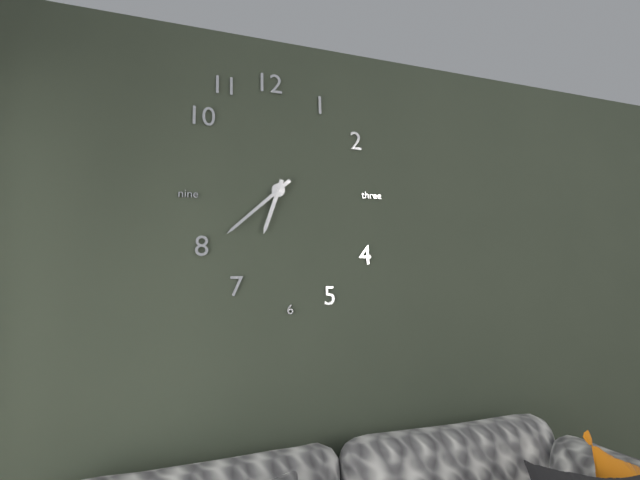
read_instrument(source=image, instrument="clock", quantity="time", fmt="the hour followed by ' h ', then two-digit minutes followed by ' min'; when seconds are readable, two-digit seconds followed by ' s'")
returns 6 h 38 min
